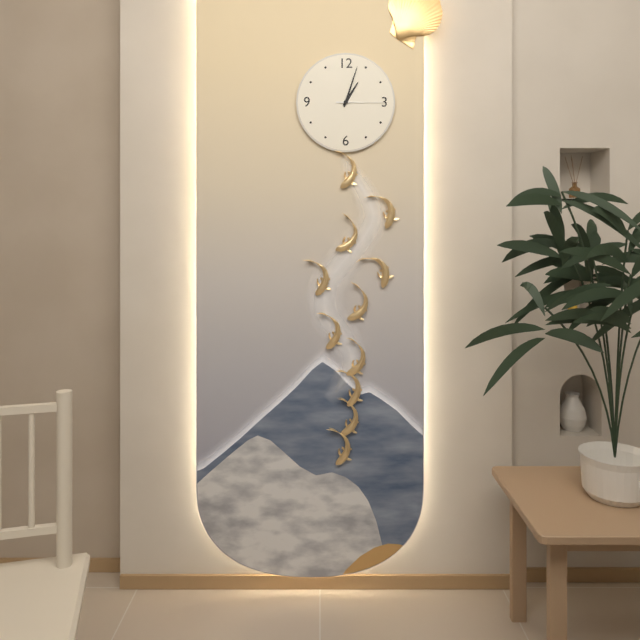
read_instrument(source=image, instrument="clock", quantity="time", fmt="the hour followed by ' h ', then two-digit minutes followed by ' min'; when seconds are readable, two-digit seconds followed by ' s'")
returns 1 h 03 min
